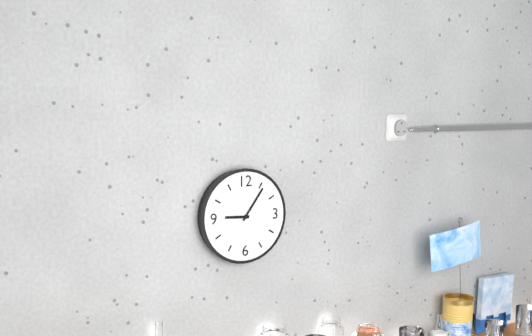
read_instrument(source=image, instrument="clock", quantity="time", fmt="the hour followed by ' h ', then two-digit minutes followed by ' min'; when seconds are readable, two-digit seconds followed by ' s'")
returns 9 h 06 min
